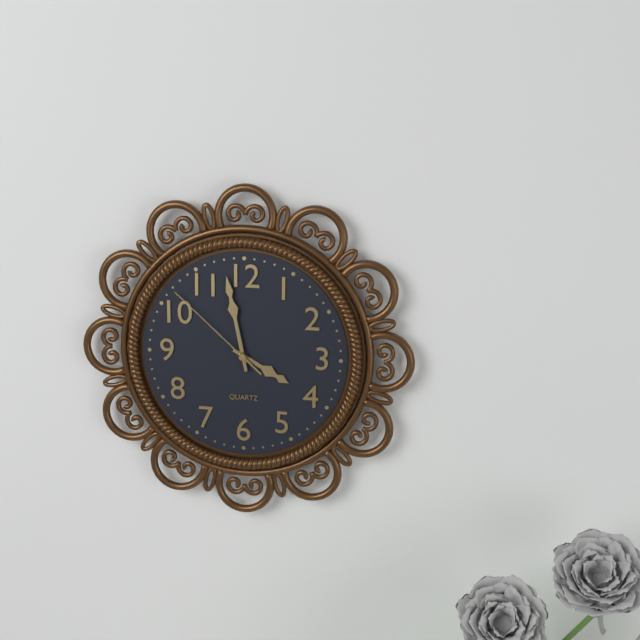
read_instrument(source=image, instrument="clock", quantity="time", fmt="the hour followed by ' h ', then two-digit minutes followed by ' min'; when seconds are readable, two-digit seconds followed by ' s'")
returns 3 h 58 min 52 s
